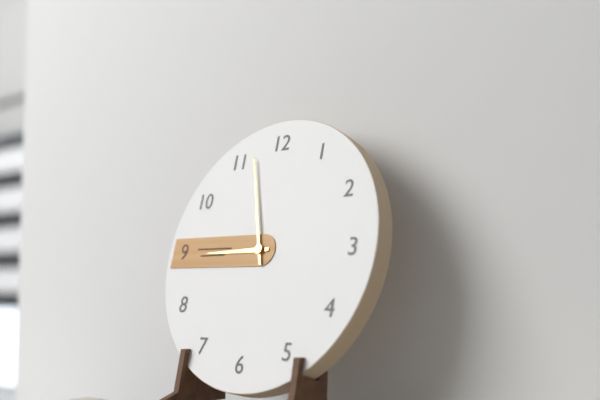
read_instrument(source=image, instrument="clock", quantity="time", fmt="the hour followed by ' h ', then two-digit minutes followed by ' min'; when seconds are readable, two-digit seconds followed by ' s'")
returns 8 h 57 min
